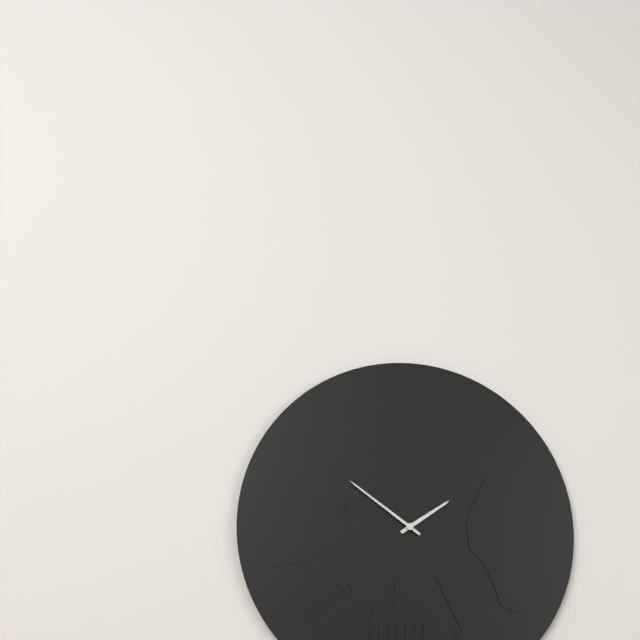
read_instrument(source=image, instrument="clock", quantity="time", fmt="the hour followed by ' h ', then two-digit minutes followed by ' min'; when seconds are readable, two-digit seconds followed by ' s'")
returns 1 h 51 min
